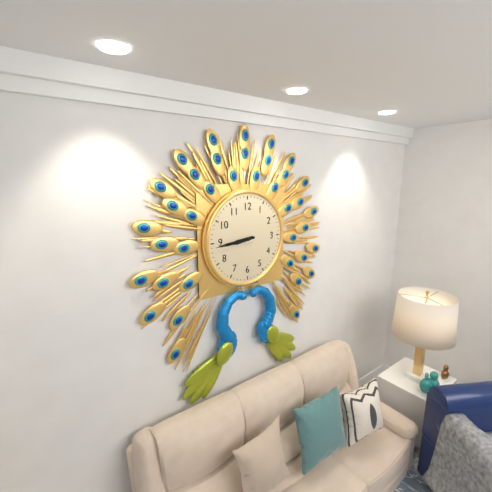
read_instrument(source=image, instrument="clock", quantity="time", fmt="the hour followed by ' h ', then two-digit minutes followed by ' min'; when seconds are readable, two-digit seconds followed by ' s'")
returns 8 h 44 min
